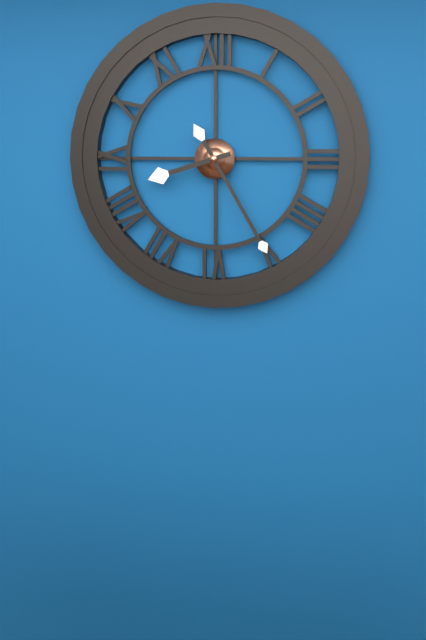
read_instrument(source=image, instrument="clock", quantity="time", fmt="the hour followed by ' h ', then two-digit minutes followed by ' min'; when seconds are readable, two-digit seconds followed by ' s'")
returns 8 h 25 min
